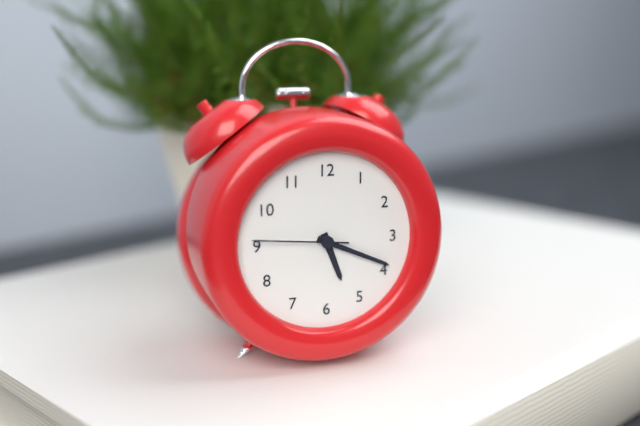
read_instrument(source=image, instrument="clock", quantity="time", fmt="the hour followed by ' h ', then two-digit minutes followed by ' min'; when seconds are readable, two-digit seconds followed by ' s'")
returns 5 h 19 min 46 s
